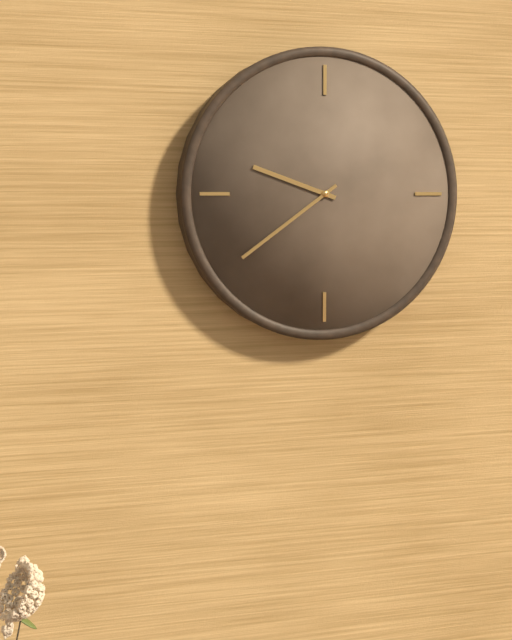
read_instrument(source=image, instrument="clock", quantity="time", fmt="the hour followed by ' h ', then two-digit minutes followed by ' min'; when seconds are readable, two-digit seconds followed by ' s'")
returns 9 h 39 min
